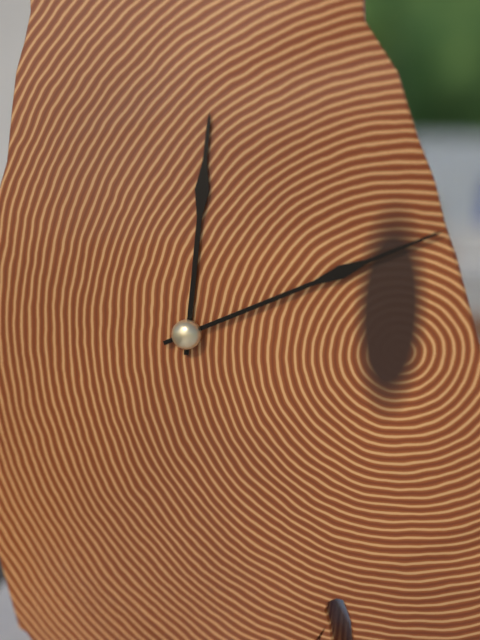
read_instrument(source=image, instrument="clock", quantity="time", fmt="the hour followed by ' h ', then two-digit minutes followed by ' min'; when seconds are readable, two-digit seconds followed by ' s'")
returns 12 h 11 min
